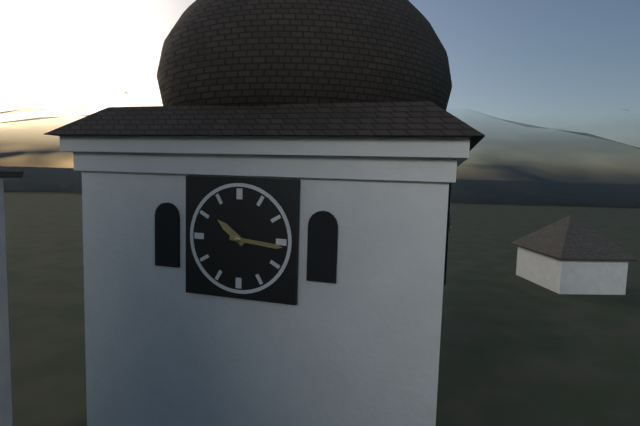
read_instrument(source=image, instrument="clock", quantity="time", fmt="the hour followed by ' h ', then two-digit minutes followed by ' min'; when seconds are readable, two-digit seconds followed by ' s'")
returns 10 h 16 min
